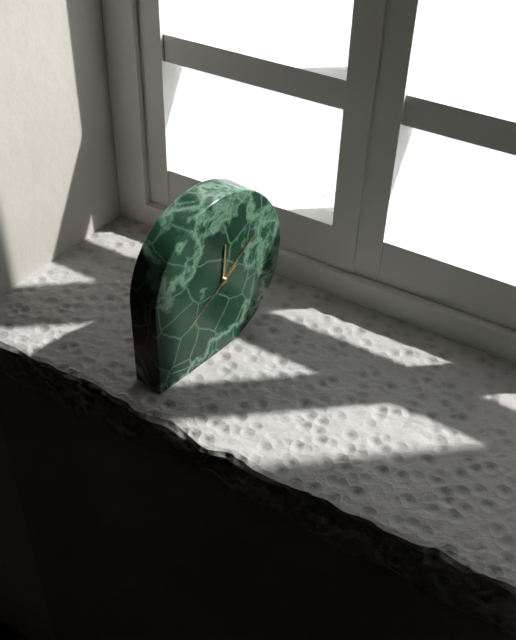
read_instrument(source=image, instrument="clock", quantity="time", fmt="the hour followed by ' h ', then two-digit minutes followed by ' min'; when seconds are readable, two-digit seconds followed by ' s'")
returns 12 h 09 min 40 s
